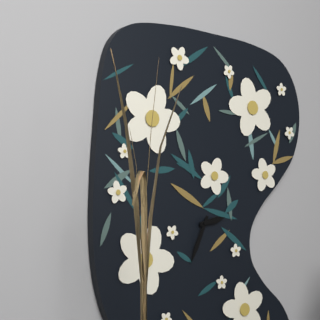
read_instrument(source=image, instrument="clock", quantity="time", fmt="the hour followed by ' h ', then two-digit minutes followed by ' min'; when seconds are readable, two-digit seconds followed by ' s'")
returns 2 h 34 min
